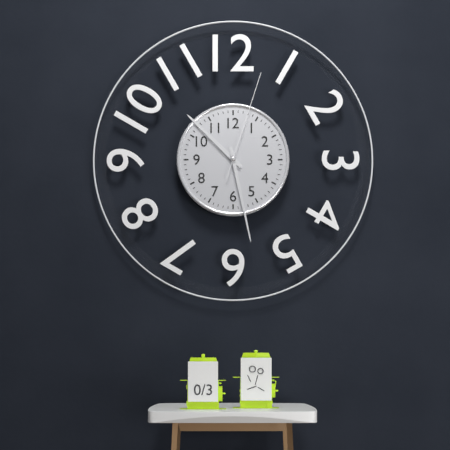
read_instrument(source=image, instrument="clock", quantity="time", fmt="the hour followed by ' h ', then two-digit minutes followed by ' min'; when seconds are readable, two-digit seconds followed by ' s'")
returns 10 h 28 min 03 s
